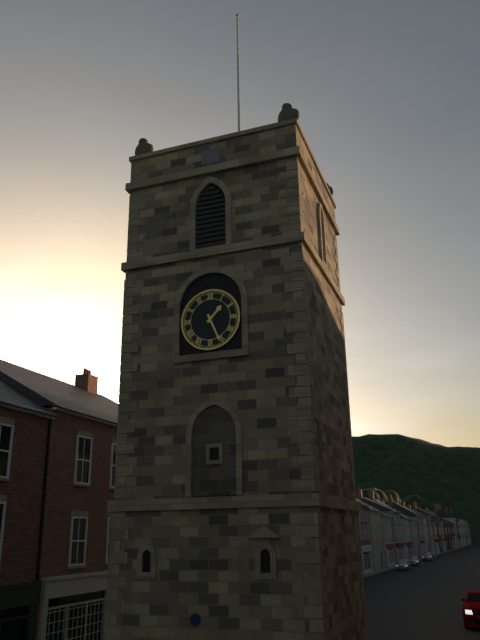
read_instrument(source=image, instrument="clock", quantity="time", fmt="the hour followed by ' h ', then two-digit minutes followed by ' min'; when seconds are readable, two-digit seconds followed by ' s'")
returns 1 h 26 min
